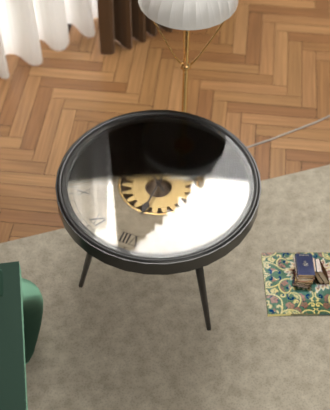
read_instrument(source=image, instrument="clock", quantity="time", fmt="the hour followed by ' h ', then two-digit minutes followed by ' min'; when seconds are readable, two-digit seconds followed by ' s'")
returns 8 h 02 min
